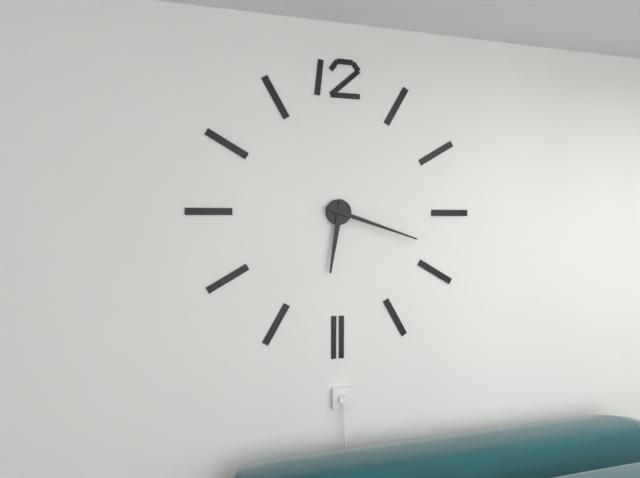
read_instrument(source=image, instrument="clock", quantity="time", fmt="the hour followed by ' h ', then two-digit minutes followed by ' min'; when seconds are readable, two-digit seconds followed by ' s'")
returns 6 h 18 min
